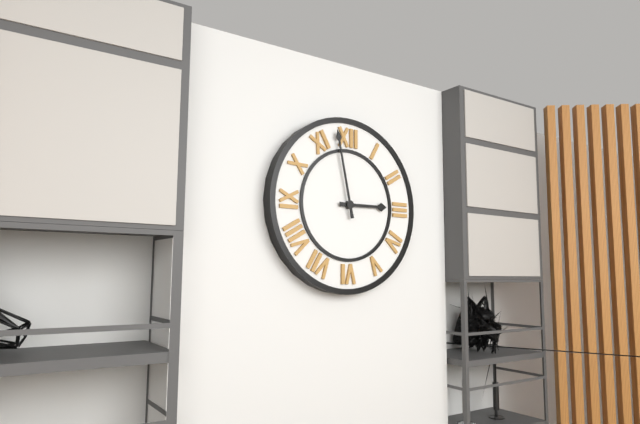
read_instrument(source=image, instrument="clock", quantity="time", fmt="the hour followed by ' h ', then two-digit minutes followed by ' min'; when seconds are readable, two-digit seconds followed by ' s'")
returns 2 h 58 min
